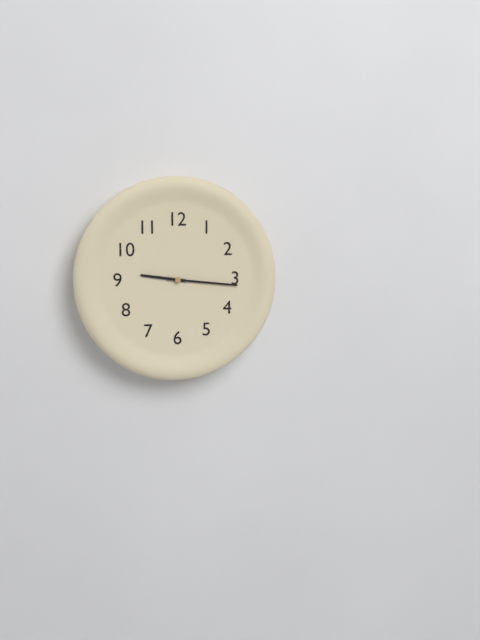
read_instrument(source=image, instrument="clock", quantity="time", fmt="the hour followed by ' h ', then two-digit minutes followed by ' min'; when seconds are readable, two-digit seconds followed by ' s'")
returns 9 h 16 min
